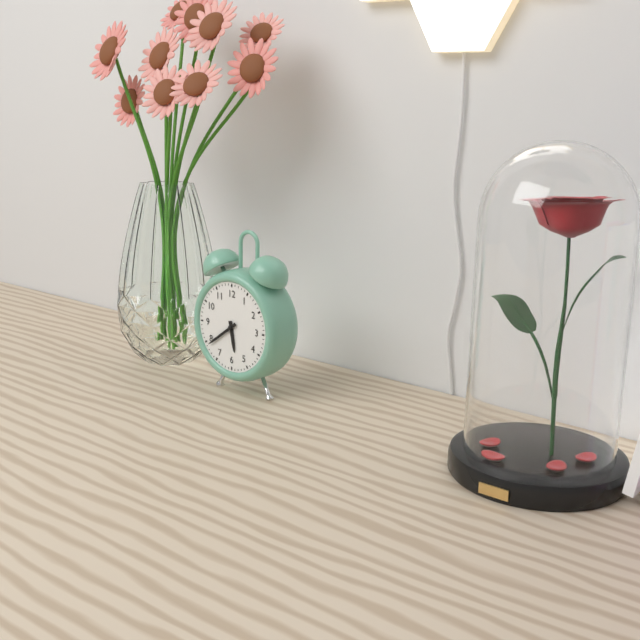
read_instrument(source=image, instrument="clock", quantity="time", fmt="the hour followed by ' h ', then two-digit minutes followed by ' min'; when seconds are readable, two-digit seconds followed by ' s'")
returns 5 h 39 min
